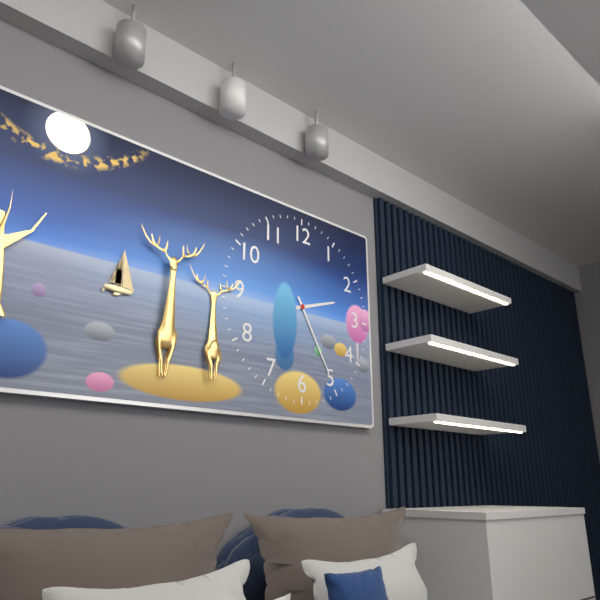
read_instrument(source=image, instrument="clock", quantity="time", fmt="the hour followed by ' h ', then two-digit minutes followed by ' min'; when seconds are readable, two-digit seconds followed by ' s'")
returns 2 h 25 min
